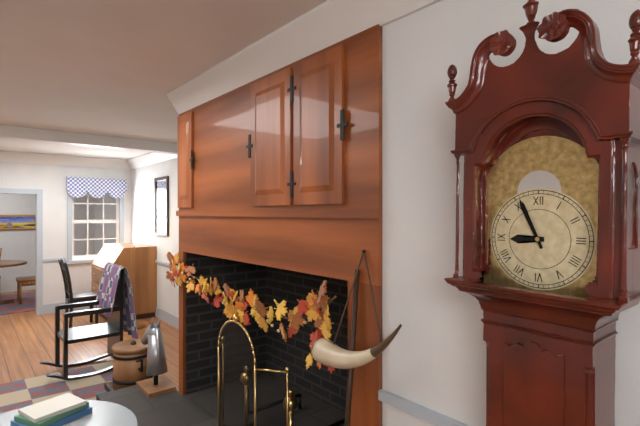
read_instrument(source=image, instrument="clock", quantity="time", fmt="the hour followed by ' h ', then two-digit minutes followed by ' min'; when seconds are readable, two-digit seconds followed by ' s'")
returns 8 h 56 min
